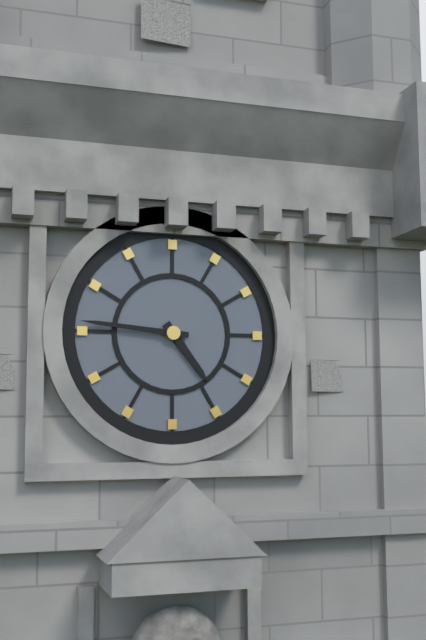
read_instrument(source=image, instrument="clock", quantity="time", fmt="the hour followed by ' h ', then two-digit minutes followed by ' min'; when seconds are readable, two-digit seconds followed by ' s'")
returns 4 h 46 min
